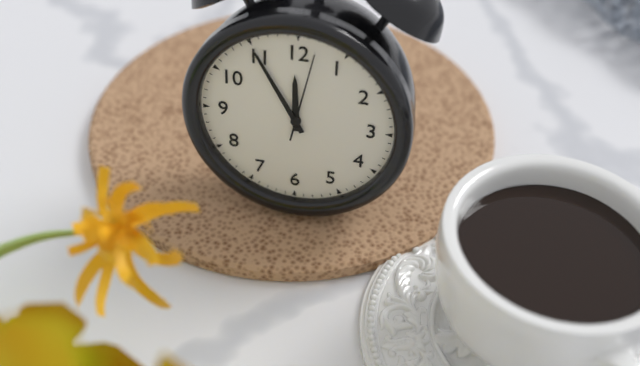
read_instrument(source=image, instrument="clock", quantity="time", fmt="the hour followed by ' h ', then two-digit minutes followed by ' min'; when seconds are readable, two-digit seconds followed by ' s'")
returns 11 h 55 min 02 s
